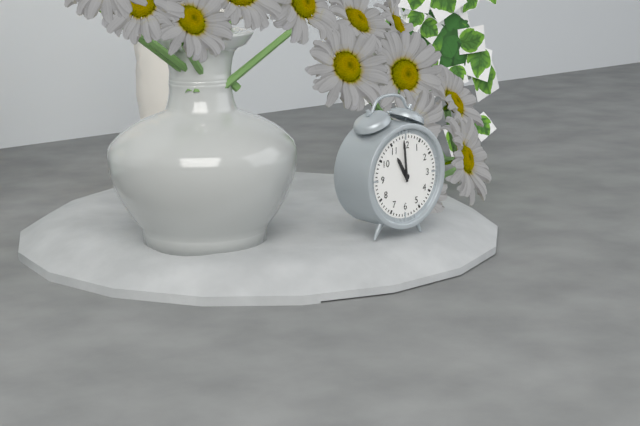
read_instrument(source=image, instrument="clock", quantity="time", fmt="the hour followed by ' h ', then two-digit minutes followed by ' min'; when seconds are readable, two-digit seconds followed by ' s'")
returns 10 h 59 min
